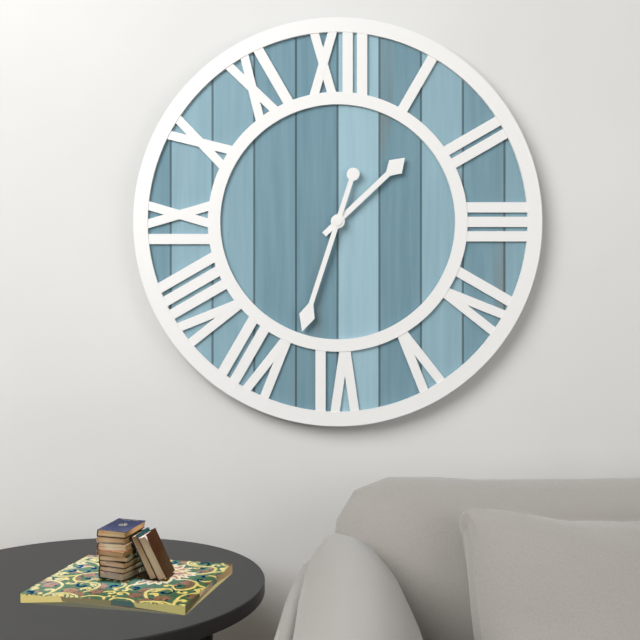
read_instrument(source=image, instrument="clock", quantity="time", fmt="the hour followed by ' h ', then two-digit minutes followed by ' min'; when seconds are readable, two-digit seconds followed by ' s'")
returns 1 h 33 min
